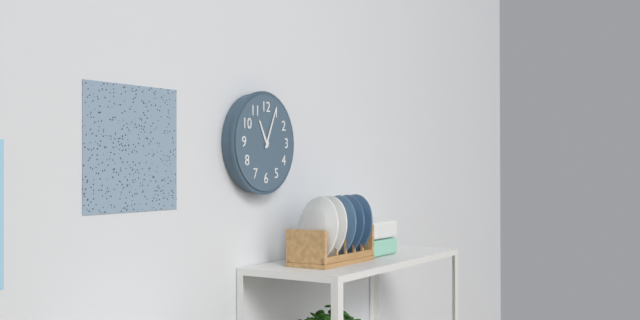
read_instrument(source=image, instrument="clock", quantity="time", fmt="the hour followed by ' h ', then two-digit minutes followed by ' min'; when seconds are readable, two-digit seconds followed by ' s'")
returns 11 h 04 min
